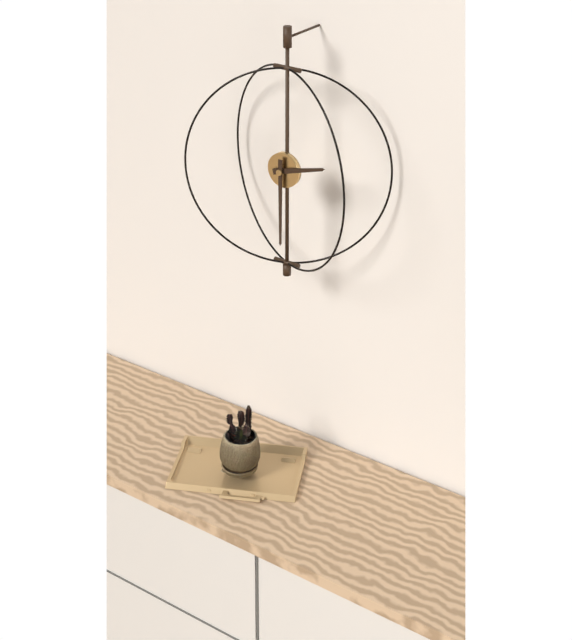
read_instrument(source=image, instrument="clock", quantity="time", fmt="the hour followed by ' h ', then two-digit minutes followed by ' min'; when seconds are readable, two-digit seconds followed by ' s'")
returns 2 h 30 min
